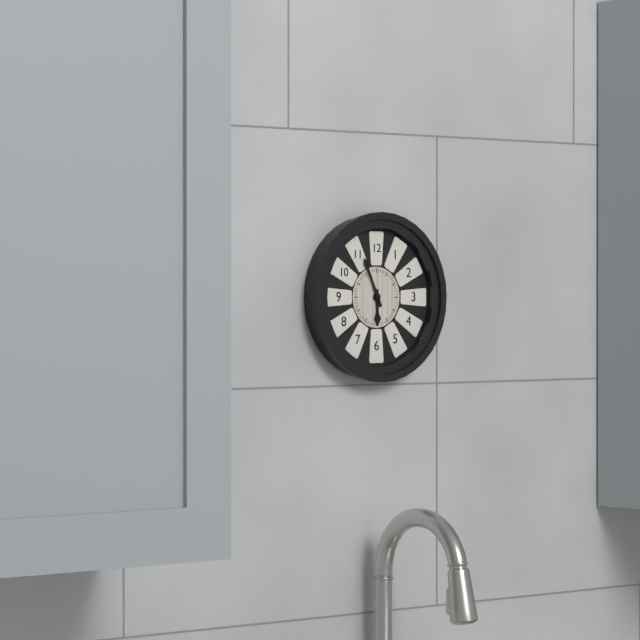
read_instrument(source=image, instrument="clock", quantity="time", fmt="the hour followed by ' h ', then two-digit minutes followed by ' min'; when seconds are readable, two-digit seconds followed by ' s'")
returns 5 h 56 min
